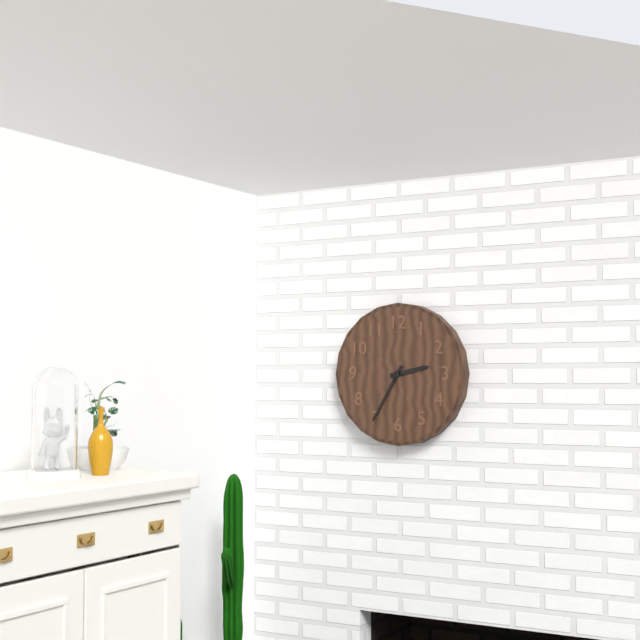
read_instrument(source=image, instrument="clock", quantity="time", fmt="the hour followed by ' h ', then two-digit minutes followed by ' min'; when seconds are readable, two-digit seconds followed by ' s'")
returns 2 h 35 min
